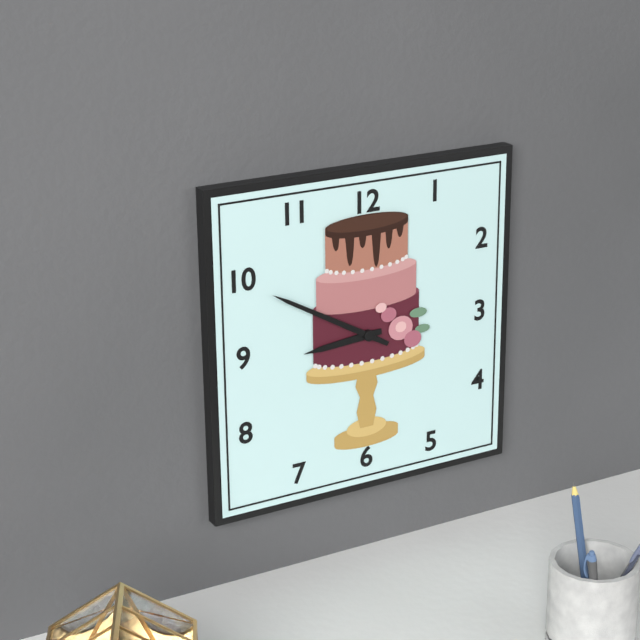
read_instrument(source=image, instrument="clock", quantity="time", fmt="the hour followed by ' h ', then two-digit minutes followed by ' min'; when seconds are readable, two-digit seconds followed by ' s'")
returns 8 h 50 min
